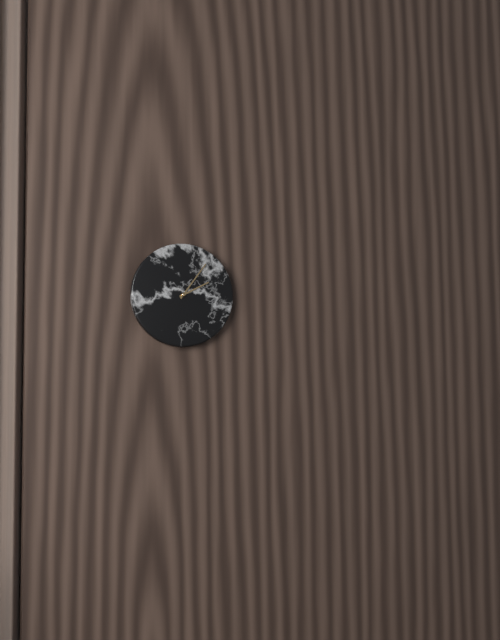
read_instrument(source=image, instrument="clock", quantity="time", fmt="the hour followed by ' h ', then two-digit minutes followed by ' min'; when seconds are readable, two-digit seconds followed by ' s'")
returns 2 h 06 min
